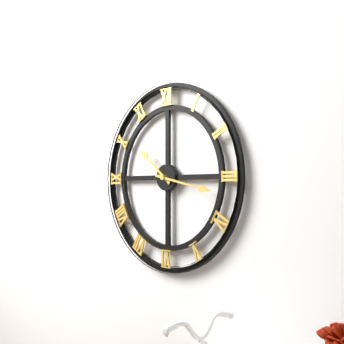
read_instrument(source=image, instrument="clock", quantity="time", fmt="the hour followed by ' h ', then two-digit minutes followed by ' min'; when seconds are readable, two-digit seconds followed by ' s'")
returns 10 h 17 min
